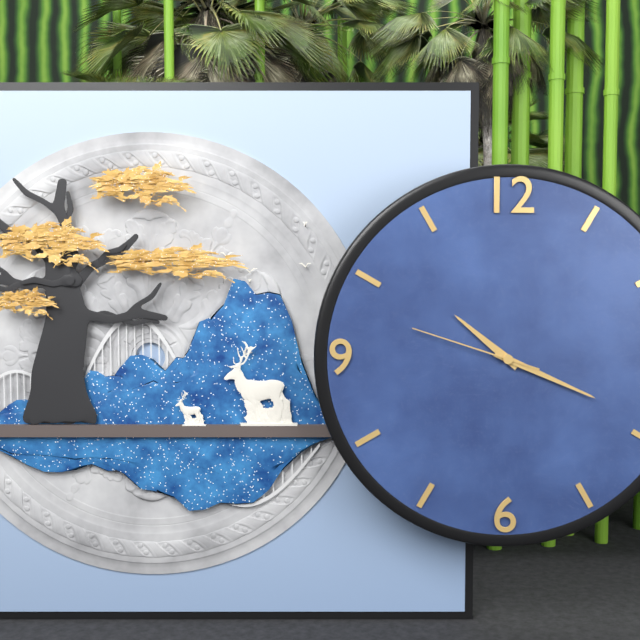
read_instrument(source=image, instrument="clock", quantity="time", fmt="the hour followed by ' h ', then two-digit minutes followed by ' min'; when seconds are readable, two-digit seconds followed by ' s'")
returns 10 h 19 min 48 s
